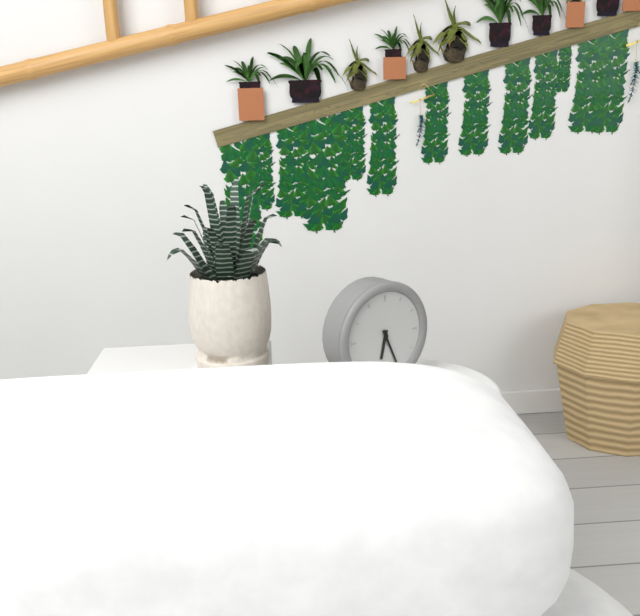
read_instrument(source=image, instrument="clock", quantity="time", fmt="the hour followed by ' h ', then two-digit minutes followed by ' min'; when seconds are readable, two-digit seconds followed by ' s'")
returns 6 h 26 min
